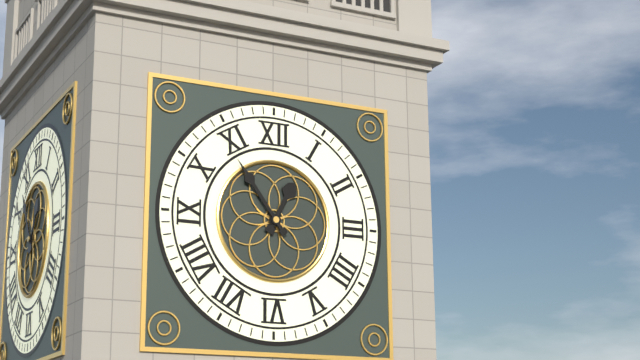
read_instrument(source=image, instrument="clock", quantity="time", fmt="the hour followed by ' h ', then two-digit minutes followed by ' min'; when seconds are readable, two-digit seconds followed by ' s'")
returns 12 h 54 min
